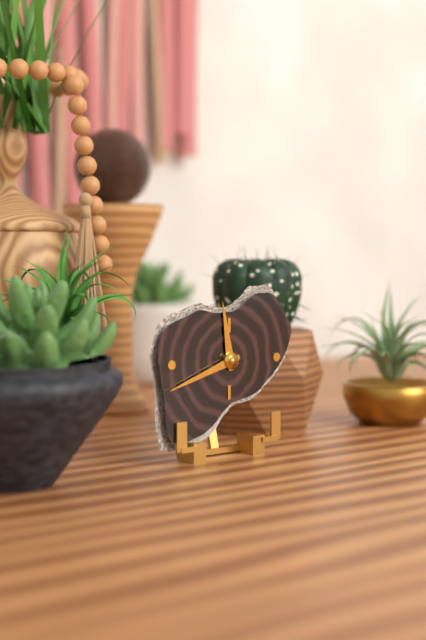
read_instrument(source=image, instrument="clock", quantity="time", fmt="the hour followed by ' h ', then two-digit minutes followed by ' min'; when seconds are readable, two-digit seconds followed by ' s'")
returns 11 h 42 min
